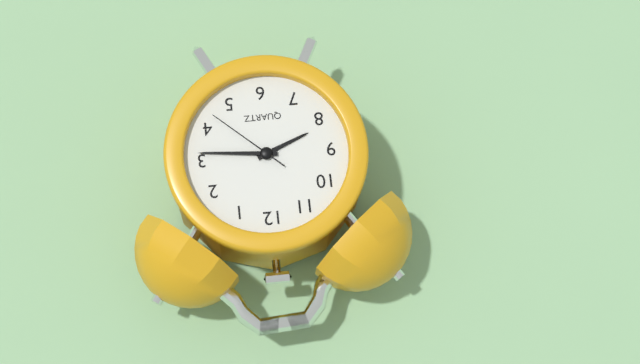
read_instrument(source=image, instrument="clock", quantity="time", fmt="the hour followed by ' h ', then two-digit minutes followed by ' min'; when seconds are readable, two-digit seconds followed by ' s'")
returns 8 h 16 min 22 s
